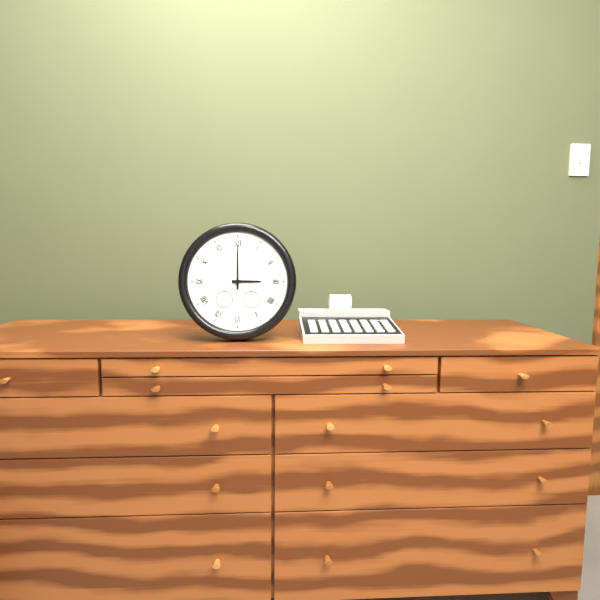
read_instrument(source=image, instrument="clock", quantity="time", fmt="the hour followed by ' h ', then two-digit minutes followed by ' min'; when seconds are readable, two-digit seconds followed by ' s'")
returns 3 h 00 min
